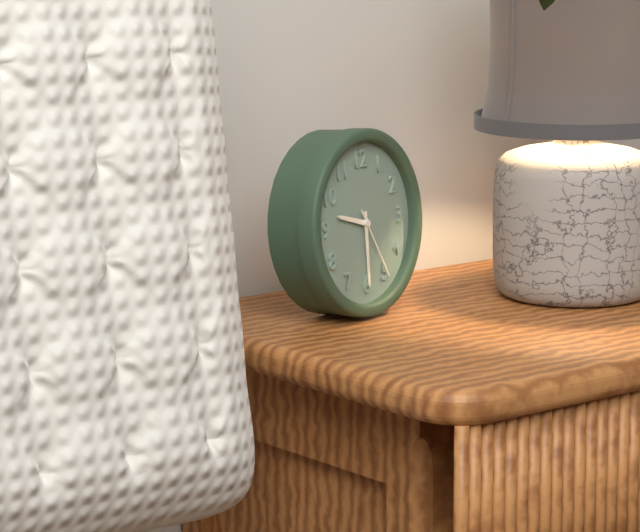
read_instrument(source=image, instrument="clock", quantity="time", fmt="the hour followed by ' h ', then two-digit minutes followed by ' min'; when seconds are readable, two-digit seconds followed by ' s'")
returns 9 h 30 min 25 s
